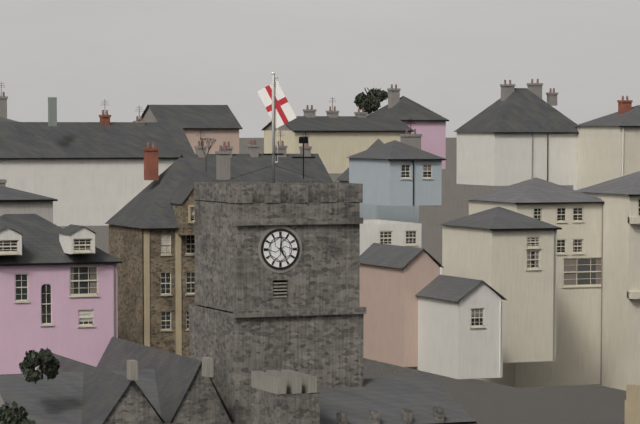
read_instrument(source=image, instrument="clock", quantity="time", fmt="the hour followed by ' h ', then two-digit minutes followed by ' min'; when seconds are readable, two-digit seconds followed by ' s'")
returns 5 h 00 min
